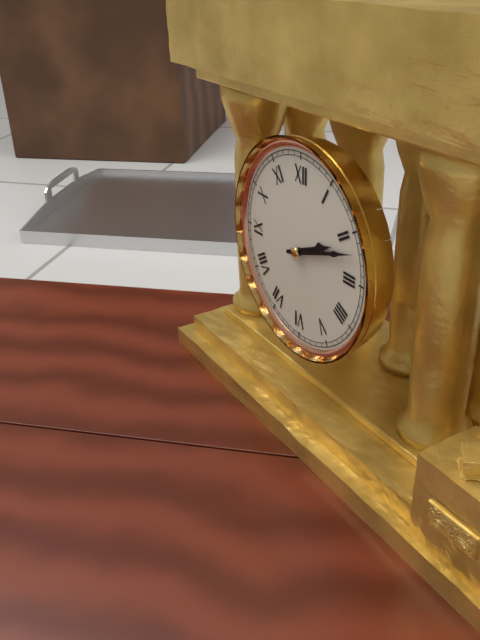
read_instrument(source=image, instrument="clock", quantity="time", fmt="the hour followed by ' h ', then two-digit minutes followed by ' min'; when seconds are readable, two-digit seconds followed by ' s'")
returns 2 h 12 min
